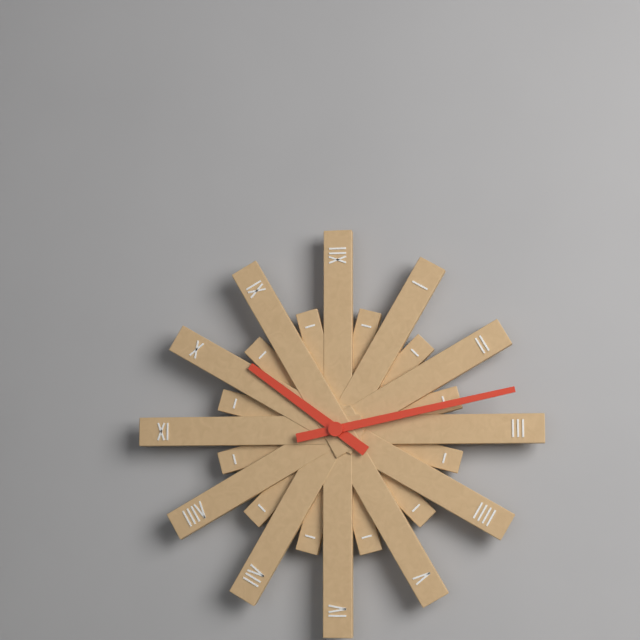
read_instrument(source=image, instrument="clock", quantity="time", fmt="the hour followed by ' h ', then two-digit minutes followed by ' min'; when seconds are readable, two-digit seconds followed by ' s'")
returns 10 h 13 min
